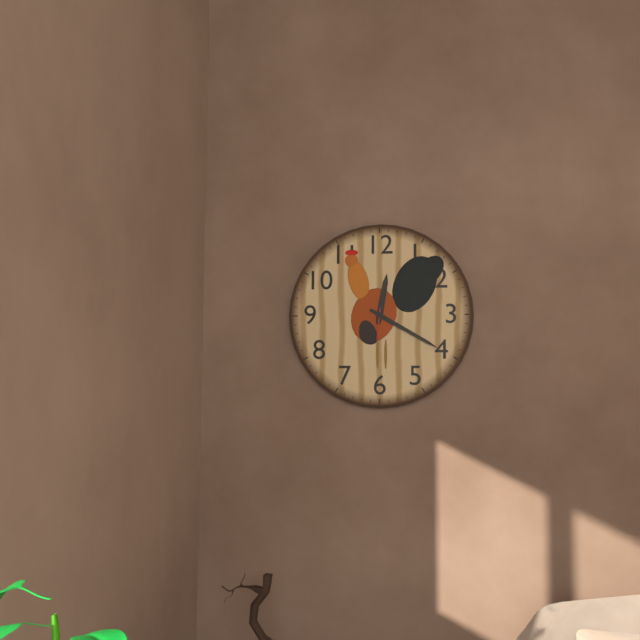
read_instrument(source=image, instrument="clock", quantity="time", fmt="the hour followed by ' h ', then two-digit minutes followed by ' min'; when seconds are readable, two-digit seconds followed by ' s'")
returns 12 h 20 min
